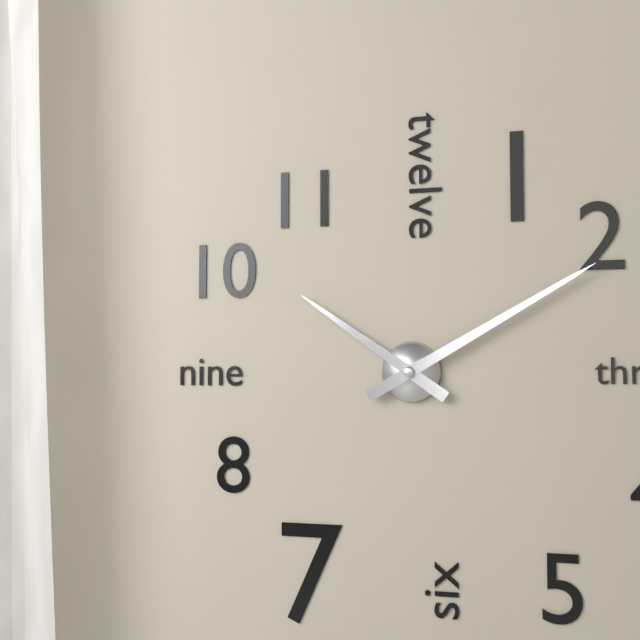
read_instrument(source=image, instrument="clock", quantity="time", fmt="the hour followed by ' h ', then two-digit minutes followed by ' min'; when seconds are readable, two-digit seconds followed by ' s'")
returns 10 h 10 min
